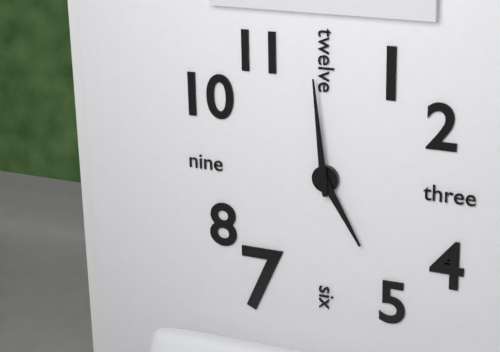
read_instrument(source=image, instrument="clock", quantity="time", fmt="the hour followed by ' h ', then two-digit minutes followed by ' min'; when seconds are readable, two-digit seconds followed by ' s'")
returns 4 h 59 min
